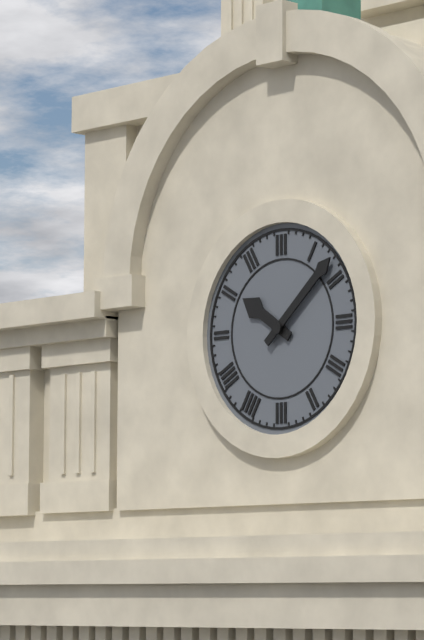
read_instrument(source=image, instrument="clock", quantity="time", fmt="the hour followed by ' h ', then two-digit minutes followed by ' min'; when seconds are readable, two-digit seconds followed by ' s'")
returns 10 h 08 min
